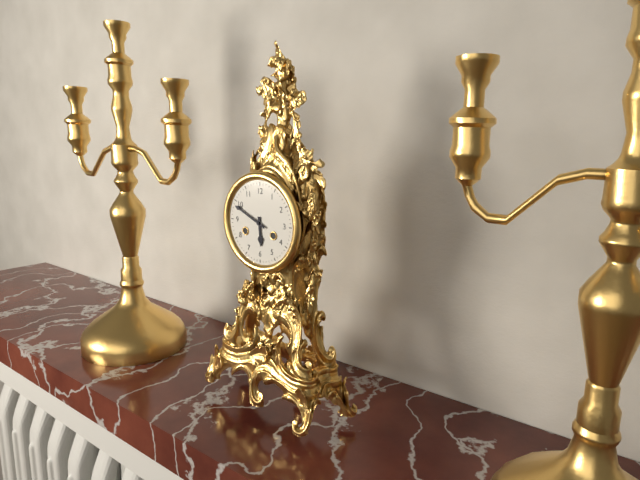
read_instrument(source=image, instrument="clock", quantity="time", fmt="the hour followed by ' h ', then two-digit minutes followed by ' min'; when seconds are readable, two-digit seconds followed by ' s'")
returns 5 h 49 min
